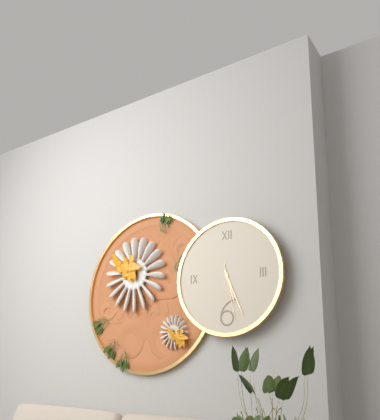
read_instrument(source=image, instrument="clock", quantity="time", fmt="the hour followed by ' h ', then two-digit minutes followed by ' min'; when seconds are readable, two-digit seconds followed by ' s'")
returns 5 h 26 min 28 s
